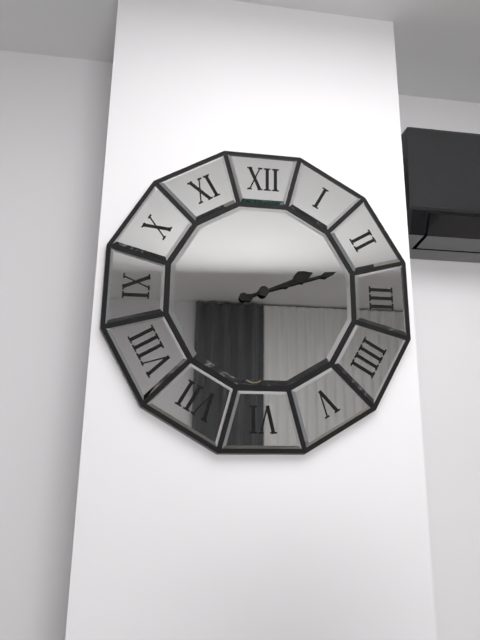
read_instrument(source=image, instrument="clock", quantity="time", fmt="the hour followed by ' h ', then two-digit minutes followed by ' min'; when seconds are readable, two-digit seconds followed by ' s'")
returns 2 h 12 min
